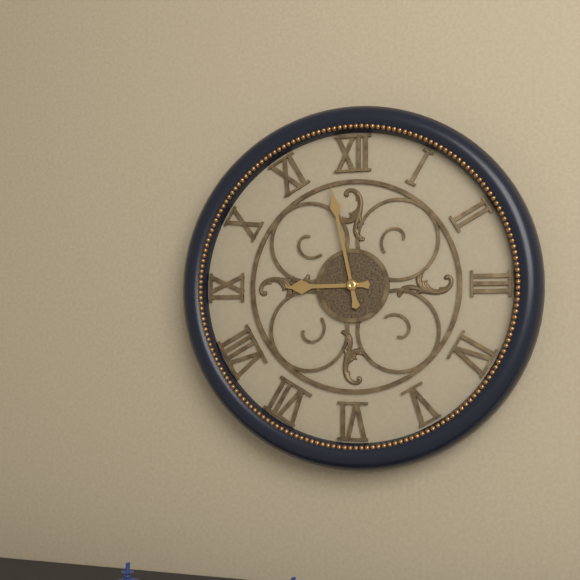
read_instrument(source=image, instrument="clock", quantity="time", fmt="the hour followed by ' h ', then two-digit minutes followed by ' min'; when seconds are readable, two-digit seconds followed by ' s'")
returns 8 h 58 min
